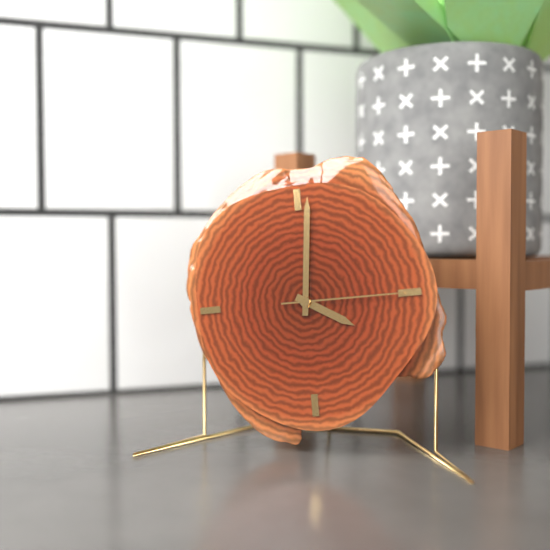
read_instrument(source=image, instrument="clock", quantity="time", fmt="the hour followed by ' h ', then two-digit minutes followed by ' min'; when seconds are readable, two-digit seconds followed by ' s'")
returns 4 h 01 min 15 s
